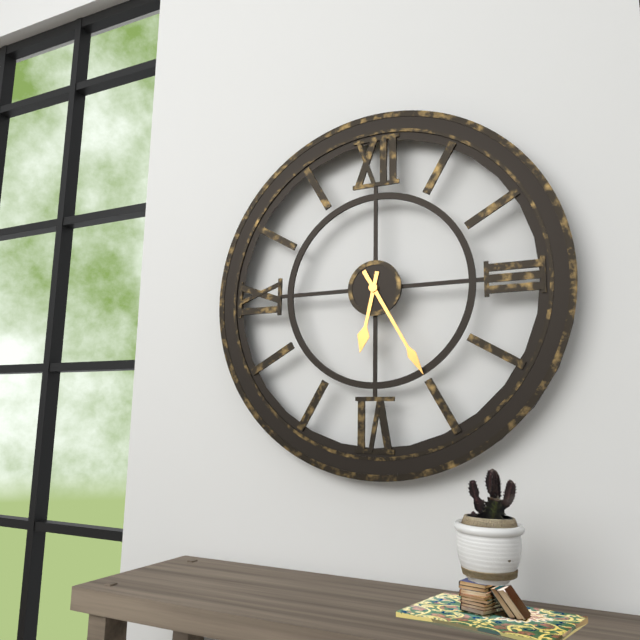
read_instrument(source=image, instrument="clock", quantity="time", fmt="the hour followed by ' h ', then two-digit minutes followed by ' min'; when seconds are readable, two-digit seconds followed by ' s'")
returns 6 h 25 min
